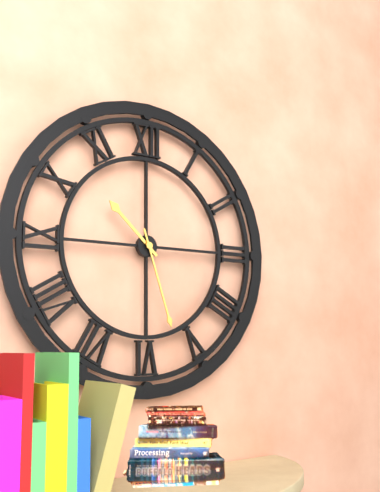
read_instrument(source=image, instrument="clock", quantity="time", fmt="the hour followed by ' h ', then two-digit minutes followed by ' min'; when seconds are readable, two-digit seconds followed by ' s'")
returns 10 h 27 min
